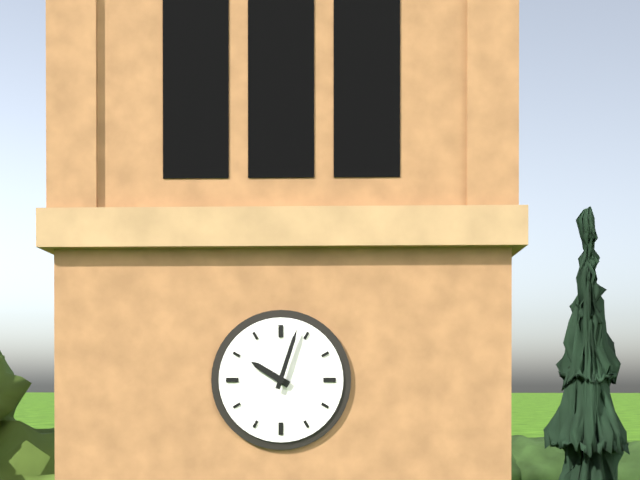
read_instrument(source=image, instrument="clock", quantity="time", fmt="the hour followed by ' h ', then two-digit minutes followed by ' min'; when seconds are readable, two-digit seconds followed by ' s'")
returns 10 h 03 min
